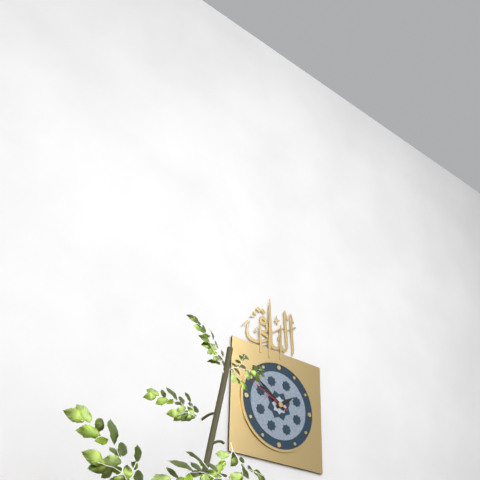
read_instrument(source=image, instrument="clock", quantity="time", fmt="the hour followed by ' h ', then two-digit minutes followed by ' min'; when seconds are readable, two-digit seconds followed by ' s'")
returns 1 h 51 min
